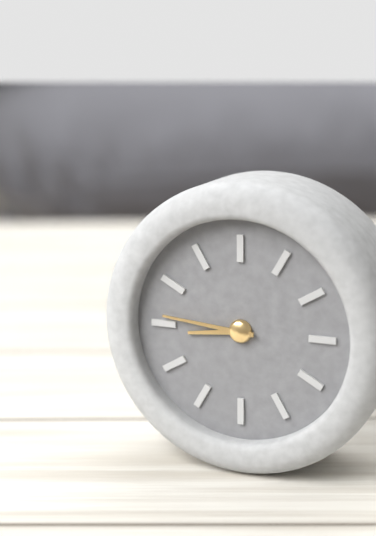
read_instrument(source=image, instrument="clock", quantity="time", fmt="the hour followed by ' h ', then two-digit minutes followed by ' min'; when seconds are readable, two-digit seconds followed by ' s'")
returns 8 h 46 min
